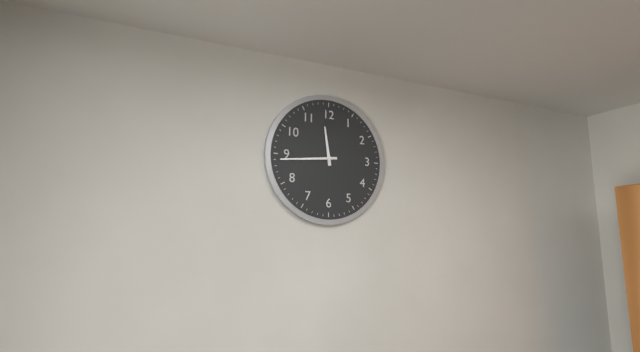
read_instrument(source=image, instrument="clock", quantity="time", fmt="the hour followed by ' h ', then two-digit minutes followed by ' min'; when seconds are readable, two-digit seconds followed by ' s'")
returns 11 h 44 min
